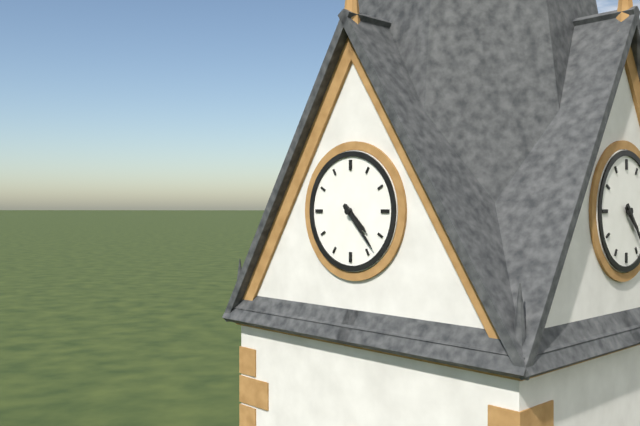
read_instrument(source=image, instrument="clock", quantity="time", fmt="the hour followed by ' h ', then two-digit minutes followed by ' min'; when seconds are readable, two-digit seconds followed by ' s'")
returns 4 h 23 min
